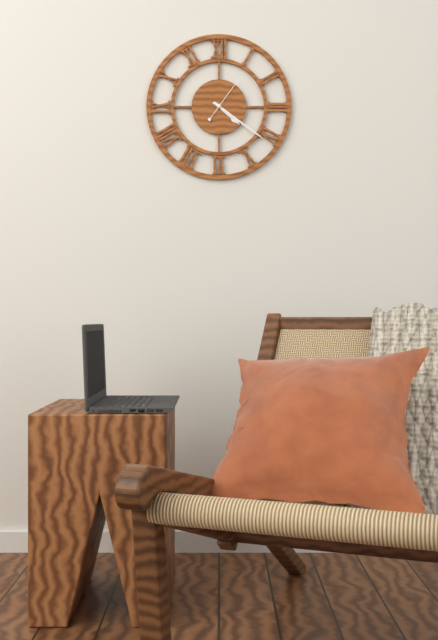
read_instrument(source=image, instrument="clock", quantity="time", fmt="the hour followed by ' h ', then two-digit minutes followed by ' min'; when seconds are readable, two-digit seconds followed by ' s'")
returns 4 h 21 min
